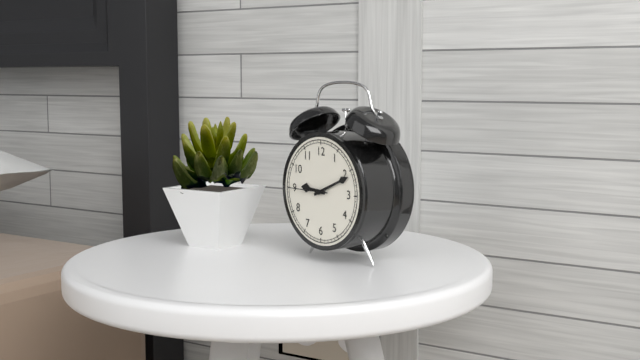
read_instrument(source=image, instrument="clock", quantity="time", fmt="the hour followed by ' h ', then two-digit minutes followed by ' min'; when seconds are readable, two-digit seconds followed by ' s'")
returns 9 h 11 min
